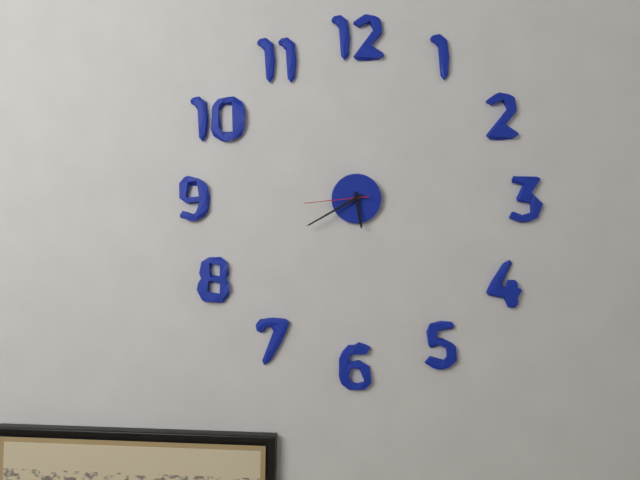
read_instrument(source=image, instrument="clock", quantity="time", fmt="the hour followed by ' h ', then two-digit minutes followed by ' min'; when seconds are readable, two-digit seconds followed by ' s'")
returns 5 h 40 min 44 s
